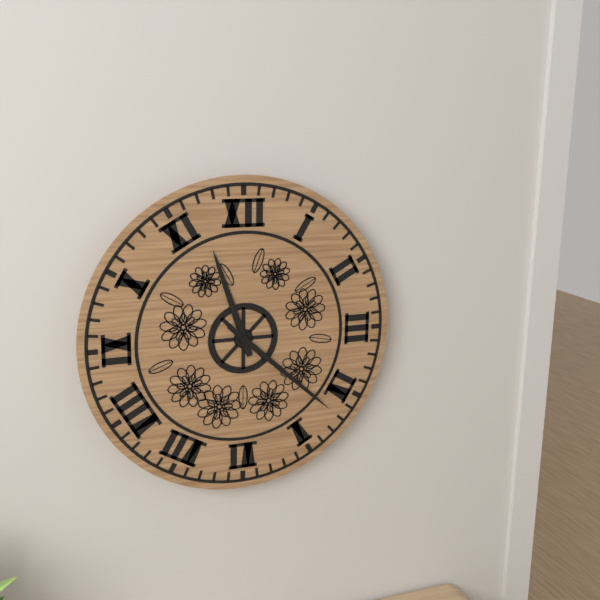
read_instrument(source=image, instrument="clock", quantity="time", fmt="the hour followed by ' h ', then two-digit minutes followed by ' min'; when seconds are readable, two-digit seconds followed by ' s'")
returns 11 h 22 min
